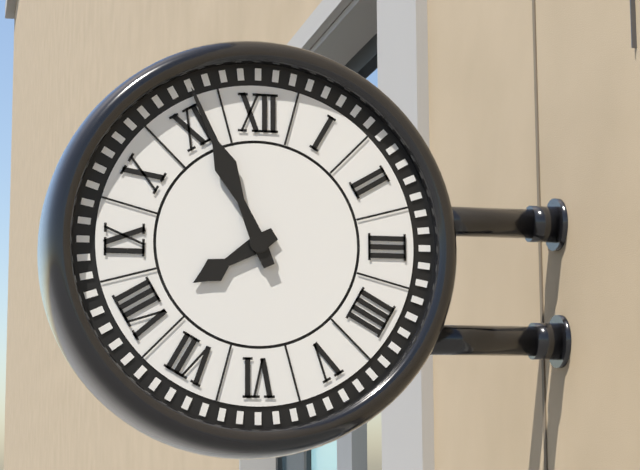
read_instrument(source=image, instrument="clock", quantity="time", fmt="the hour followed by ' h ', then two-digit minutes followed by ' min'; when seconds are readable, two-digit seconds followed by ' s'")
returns 7 h 56 min
